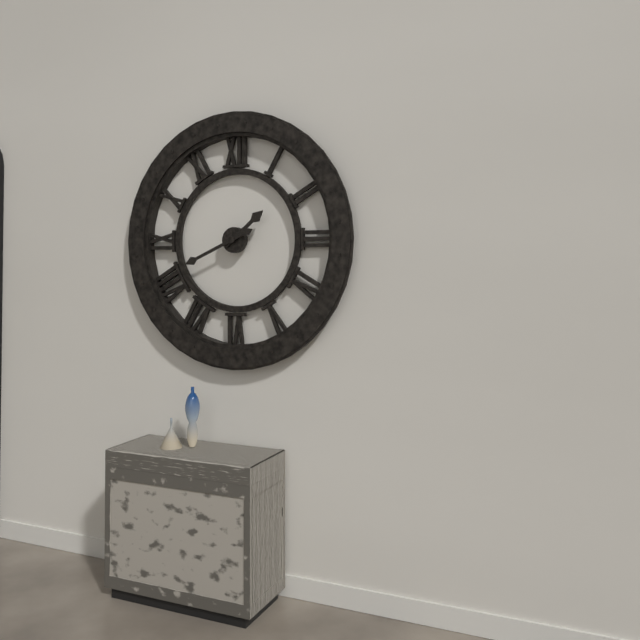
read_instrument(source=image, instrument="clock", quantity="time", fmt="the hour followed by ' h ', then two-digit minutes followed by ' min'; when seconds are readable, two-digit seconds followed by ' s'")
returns 1 h 41 min
